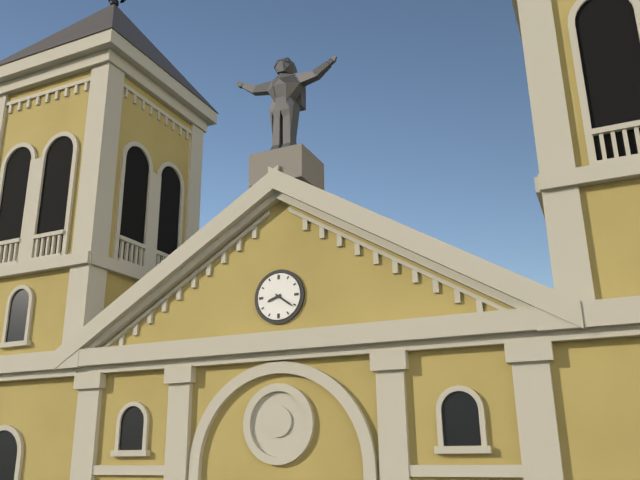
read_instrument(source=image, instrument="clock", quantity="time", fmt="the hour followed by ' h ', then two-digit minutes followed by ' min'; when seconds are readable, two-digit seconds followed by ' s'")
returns 8 h 21 min
